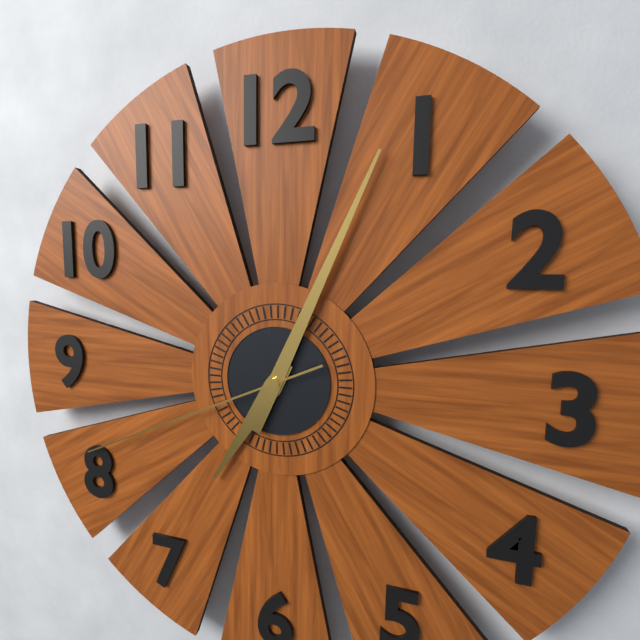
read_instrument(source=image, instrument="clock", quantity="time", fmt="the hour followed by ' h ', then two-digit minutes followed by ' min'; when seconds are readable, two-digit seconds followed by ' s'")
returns 7 h 04 min 41 s
